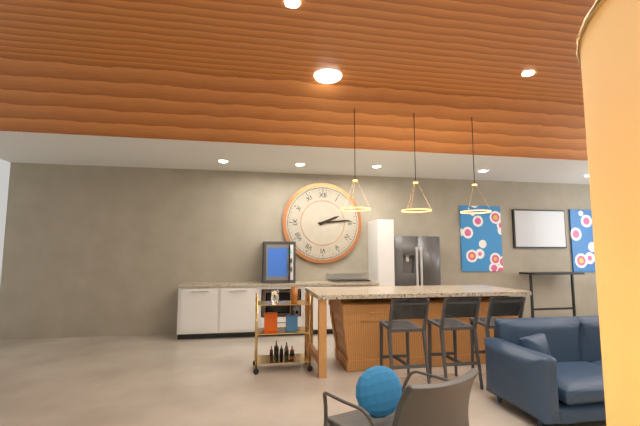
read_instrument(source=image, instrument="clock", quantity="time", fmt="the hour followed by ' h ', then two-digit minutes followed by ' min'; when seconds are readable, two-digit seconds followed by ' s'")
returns 2 h 14 min
